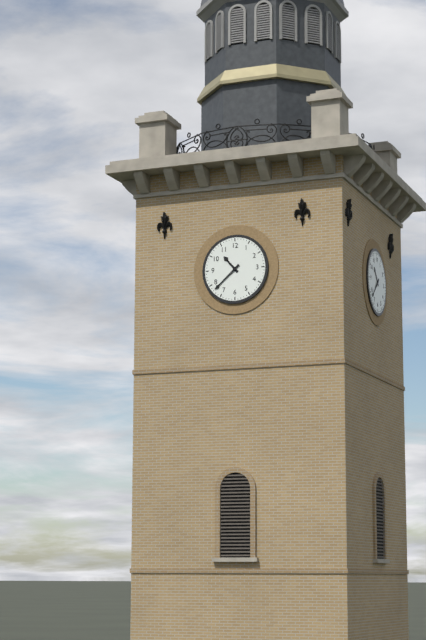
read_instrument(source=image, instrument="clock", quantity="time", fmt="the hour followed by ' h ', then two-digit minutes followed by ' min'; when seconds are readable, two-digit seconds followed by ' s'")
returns 10 h 38 min
